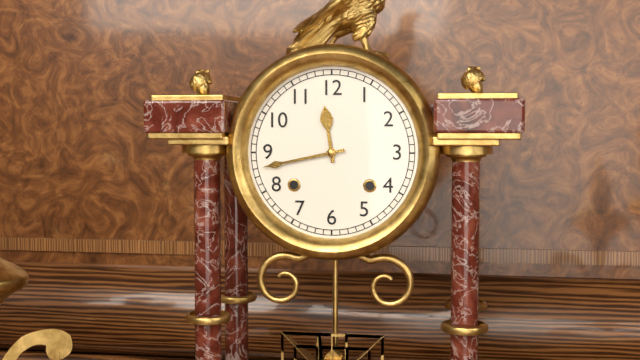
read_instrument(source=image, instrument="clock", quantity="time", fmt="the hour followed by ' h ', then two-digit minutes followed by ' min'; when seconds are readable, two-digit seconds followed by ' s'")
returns 11 h 43 min
